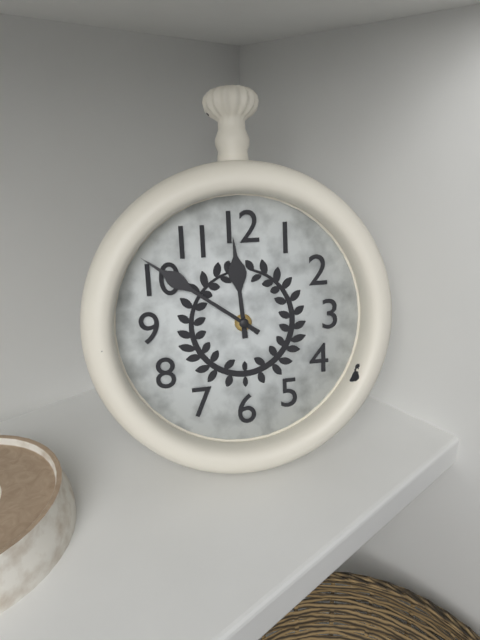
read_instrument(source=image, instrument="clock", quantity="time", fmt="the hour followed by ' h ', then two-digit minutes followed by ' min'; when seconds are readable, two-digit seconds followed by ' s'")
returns 11 h 51 min
